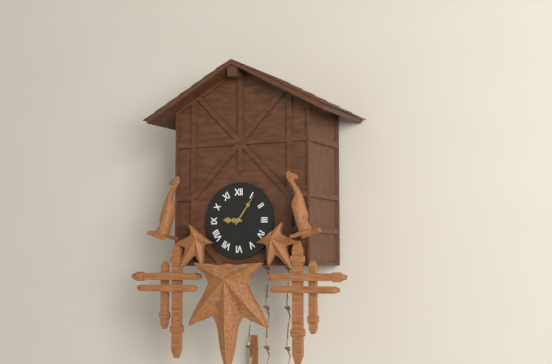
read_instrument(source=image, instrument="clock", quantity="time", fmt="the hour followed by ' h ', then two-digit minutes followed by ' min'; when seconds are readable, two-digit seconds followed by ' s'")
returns 9 h 06 min
